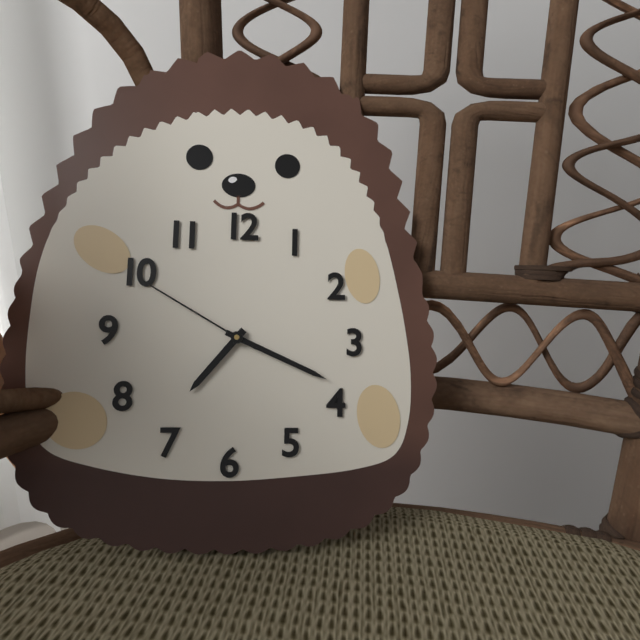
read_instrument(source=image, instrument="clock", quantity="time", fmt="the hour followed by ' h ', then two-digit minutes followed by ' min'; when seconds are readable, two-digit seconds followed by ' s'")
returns 7 h 19 min 50 s
